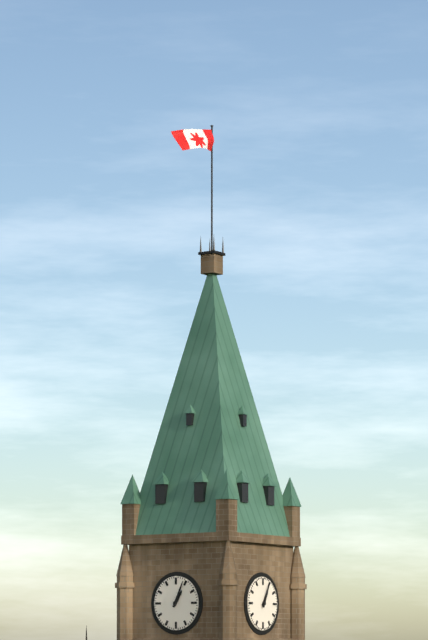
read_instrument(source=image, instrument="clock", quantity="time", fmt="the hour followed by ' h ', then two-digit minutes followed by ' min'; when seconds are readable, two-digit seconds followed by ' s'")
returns 1 h 04 min
